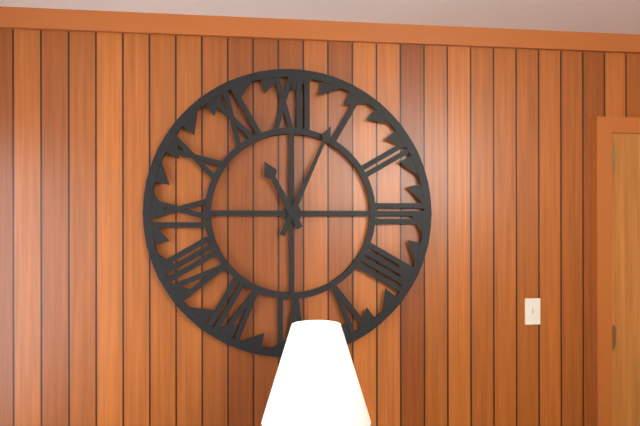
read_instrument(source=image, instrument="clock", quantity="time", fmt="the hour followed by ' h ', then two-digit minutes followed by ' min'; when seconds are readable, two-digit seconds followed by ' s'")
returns 11 h 04 min
